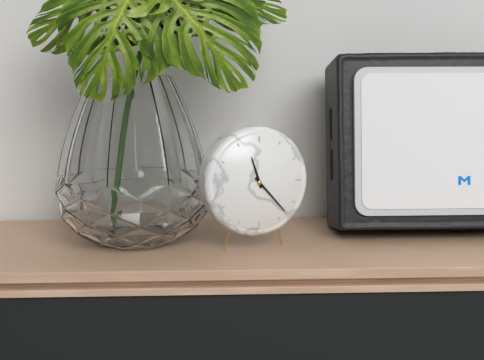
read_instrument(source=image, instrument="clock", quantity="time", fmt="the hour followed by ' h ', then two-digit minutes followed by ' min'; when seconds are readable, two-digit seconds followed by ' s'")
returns 11 h 23 min
